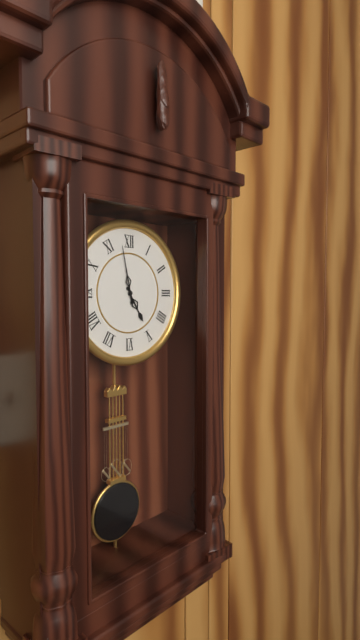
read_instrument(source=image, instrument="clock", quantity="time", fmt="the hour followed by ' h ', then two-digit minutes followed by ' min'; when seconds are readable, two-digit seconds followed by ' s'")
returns 4 h 58 min
